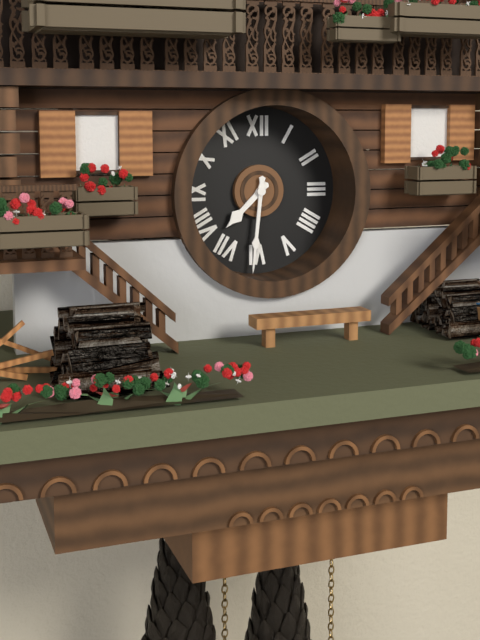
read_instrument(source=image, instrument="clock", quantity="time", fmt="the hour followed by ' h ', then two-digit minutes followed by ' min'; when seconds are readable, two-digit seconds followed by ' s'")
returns 7 h 31 min
